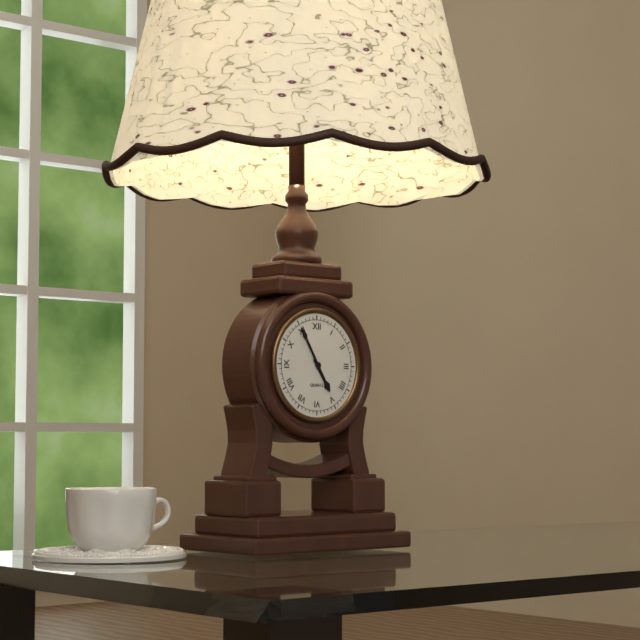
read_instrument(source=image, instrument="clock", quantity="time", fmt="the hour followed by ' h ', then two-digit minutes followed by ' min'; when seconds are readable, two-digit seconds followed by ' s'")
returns 4 h 55 min
